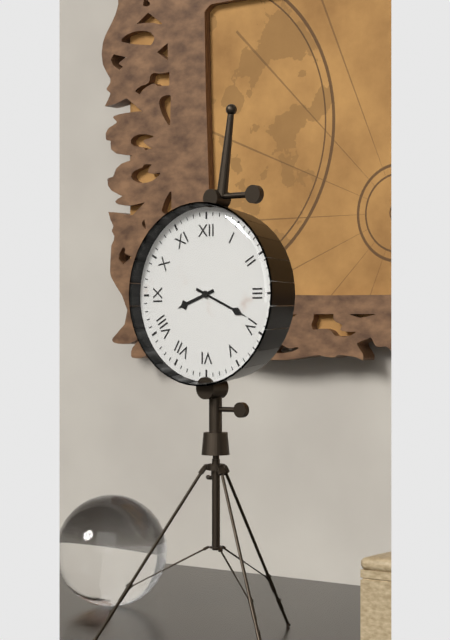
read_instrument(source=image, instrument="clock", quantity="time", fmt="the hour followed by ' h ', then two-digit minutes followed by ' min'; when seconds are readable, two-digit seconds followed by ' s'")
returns 8 h 19 min
